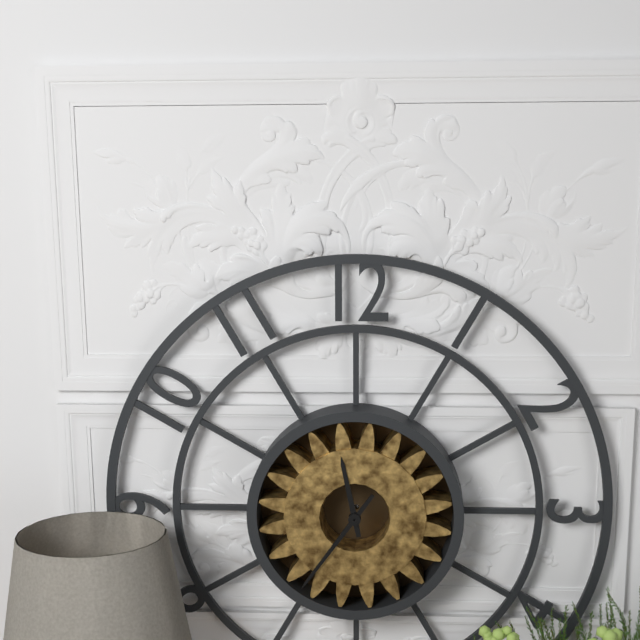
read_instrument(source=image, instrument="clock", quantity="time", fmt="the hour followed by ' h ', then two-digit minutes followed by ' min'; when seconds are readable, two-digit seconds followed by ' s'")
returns 11 h 36 min
